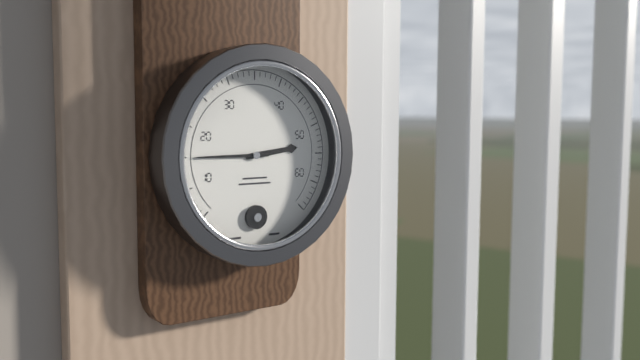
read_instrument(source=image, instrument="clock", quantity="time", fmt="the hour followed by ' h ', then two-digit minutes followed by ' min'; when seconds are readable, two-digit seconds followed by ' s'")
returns 2 h 45 min
